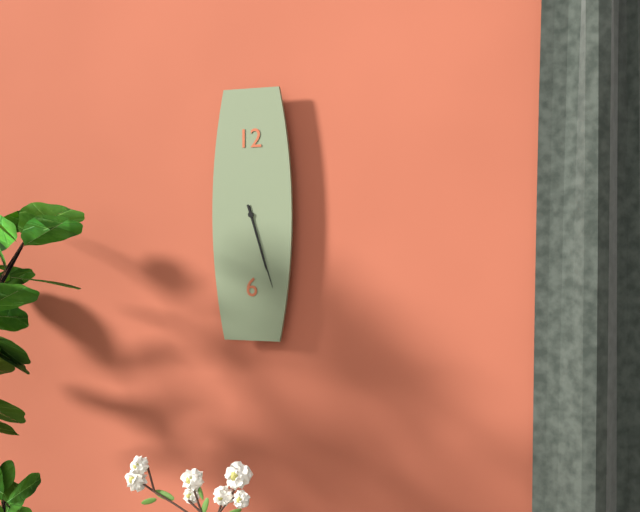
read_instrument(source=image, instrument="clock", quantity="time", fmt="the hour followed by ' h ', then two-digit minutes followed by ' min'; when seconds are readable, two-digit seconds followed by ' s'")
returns 5 h 27 min
